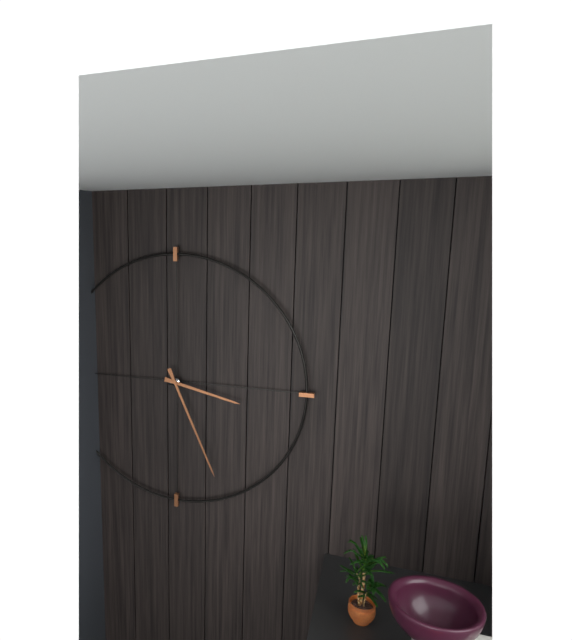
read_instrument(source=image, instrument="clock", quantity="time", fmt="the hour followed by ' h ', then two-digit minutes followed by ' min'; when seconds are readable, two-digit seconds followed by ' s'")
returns 3 h 26 min
